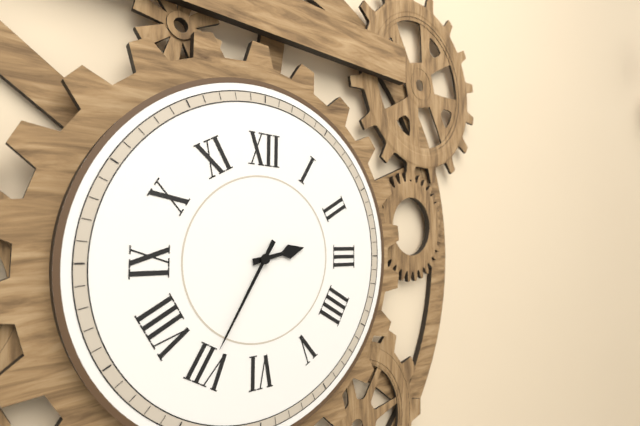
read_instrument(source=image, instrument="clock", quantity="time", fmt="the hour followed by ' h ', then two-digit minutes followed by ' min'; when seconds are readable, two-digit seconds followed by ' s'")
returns 2 h 35 min
